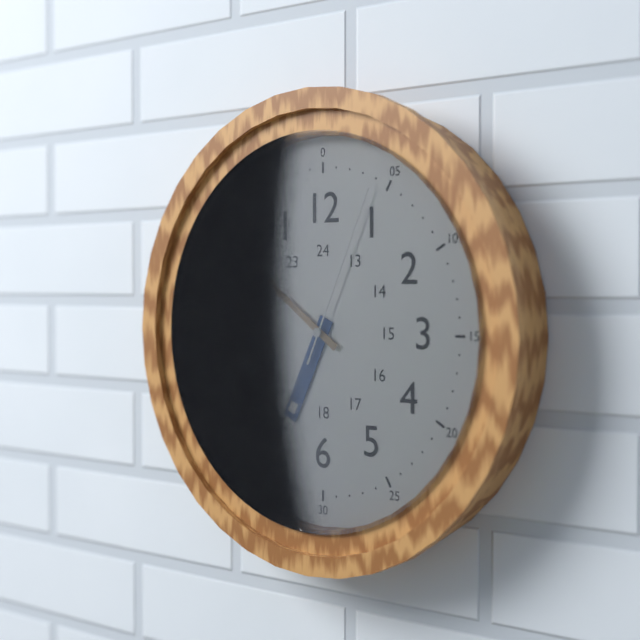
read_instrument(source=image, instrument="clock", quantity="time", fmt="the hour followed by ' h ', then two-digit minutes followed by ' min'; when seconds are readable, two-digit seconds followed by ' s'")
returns 6 h 51 min 04 s
